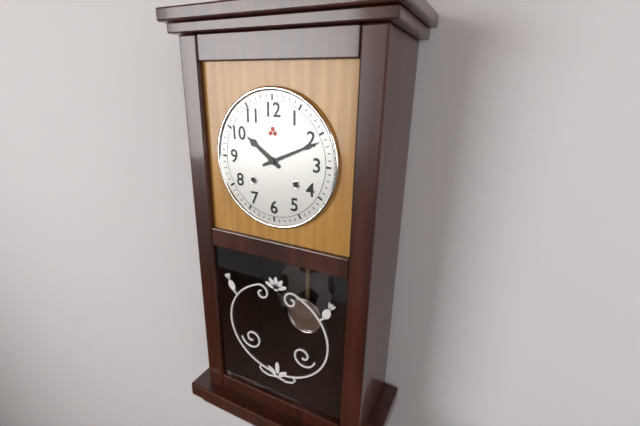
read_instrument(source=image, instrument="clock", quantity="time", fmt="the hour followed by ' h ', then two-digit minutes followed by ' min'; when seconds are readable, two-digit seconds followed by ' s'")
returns 10 h 11 min
